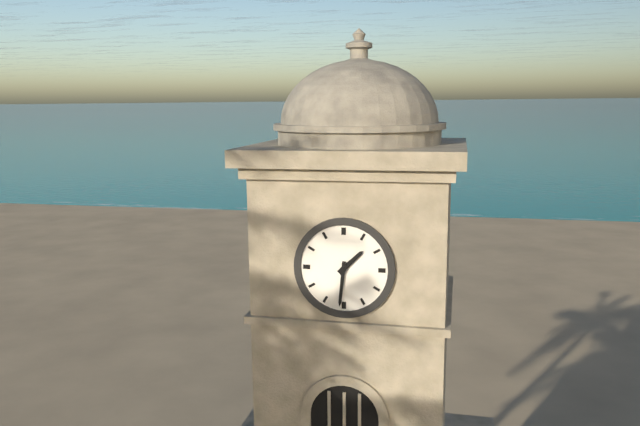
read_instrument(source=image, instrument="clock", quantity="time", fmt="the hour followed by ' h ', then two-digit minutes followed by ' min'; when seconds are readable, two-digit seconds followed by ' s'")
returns 1 h 31 min
